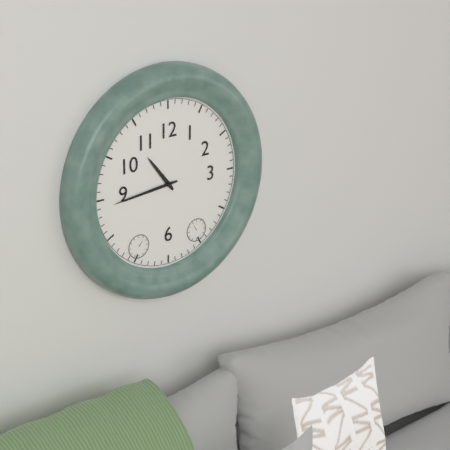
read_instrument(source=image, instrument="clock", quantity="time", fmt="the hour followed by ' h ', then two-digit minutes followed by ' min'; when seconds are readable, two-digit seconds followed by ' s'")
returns 10 h 44 min
